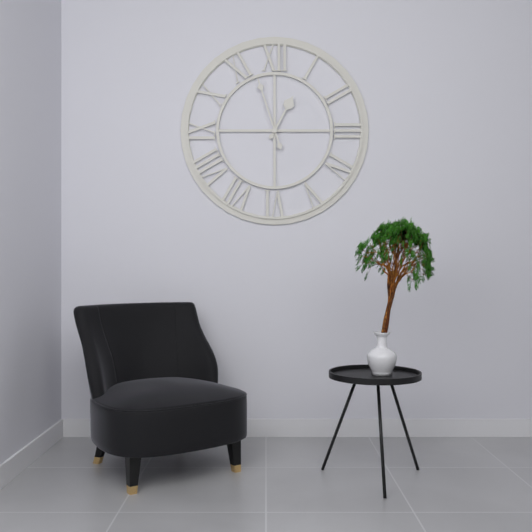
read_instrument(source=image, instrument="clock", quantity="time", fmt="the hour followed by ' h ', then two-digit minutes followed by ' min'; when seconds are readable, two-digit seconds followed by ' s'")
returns 12 h 57 min
